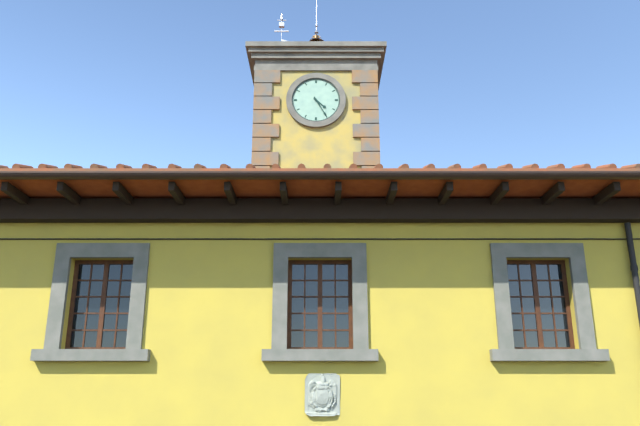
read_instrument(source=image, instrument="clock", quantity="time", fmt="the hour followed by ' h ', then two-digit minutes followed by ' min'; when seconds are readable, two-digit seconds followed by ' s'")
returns 4 h 25 min
